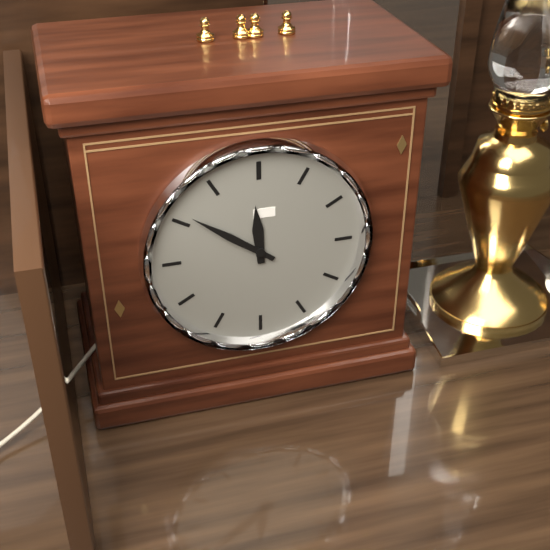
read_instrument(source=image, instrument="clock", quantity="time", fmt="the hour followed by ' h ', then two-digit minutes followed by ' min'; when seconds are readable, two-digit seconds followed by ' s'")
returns 11 h 51 min
